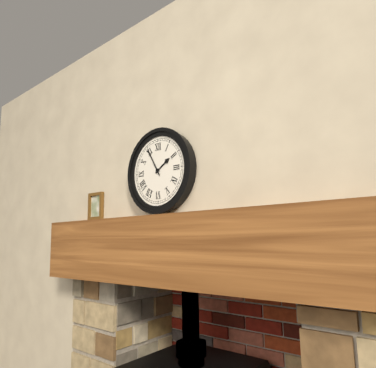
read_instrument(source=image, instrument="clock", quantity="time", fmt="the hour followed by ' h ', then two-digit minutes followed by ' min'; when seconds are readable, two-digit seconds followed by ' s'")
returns 1 h 55 min
